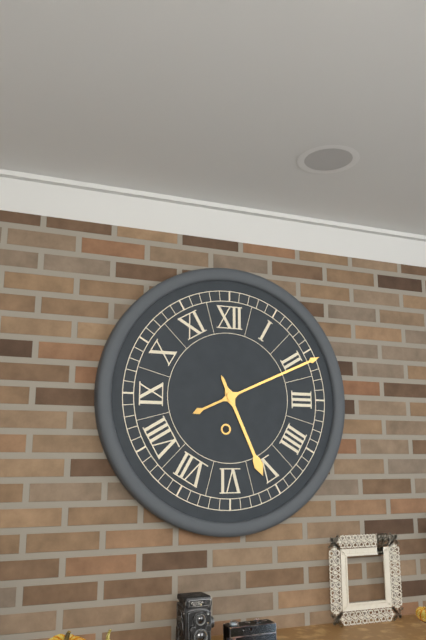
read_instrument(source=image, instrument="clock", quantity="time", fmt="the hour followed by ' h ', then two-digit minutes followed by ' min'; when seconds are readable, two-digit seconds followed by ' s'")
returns 5 h 11 min
